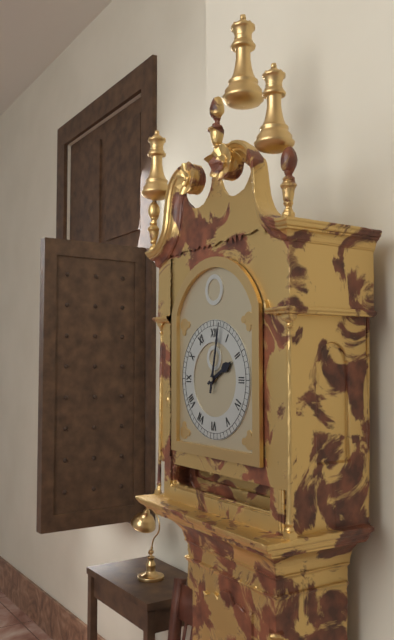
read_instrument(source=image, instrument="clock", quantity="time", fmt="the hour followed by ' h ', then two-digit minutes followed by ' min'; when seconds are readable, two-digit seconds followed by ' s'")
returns 2 h 02 min
